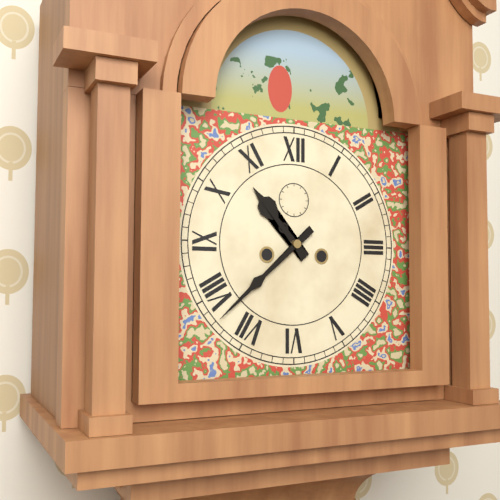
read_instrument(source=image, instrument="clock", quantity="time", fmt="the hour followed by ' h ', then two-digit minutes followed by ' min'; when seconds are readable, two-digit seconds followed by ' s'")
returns 10 h 38 min
